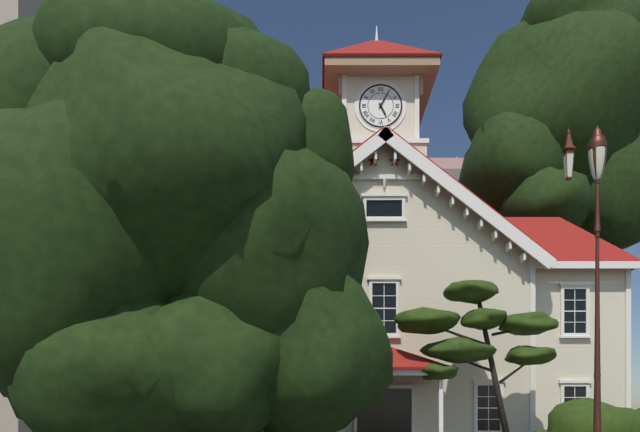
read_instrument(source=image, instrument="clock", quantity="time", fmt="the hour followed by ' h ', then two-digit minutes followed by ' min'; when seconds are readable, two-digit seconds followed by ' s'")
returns 5 h 05 min
